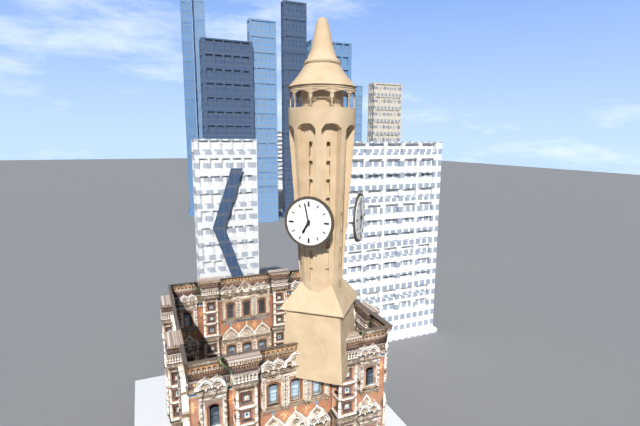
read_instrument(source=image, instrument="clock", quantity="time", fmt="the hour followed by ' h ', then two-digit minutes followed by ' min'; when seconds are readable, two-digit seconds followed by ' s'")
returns 6 h 58 min
